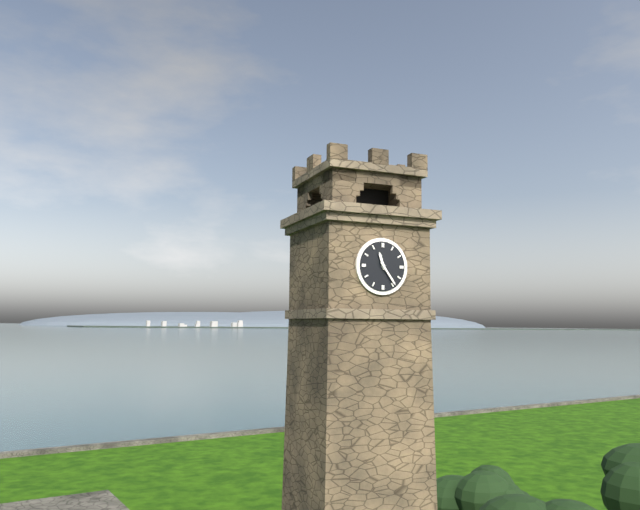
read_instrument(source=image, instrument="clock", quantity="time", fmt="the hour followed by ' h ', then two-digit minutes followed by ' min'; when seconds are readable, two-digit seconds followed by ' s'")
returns 11 h 24 min
